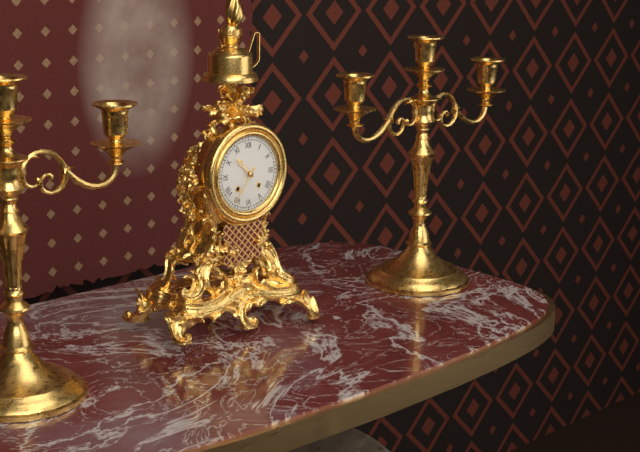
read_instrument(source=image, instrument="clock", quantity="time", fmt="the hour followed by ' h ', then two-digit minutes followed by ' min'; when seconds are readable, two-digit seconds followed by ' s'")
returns 10 h 36 min
